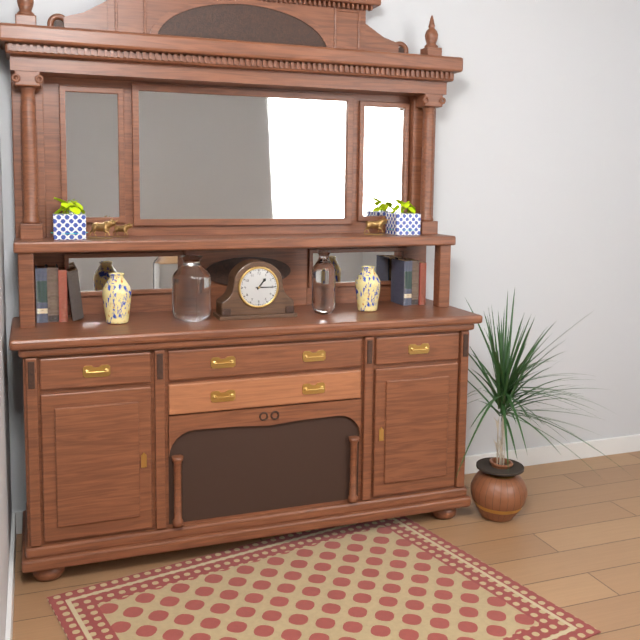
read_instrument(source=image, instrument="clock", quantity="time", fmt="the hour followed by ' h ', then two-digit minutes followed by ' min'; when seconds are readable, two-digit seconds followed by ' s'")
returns 1 h 15 min
